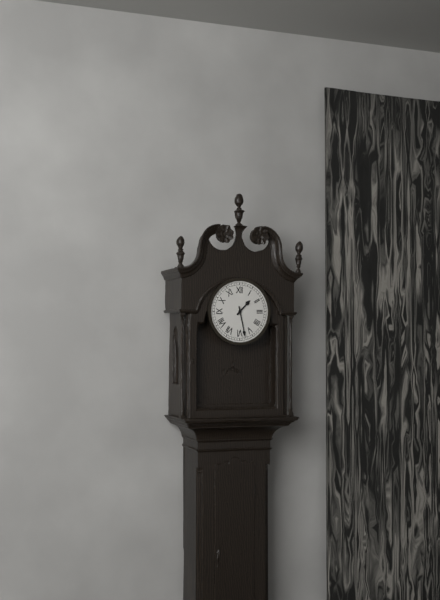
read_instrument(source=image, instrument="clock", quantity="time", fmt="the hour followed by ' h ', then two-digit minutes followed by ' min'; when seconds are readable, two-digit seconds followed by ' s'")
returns 1 h 28 min
